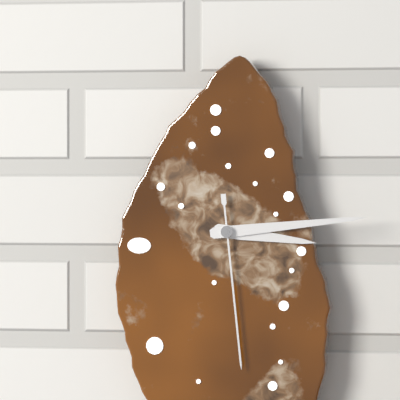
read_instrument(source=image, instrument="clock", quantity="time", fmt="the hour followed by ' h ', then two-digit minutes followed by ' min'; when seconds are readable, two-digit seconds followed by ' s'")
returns 3 h 14 min 29 s
